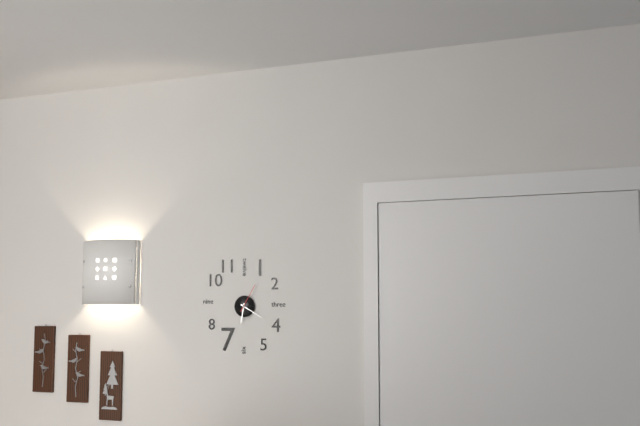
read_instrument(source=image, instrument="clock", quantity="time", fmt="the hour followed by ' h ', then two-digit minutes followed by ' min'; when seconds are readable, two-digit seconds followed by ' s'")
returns 6 h 20 min
